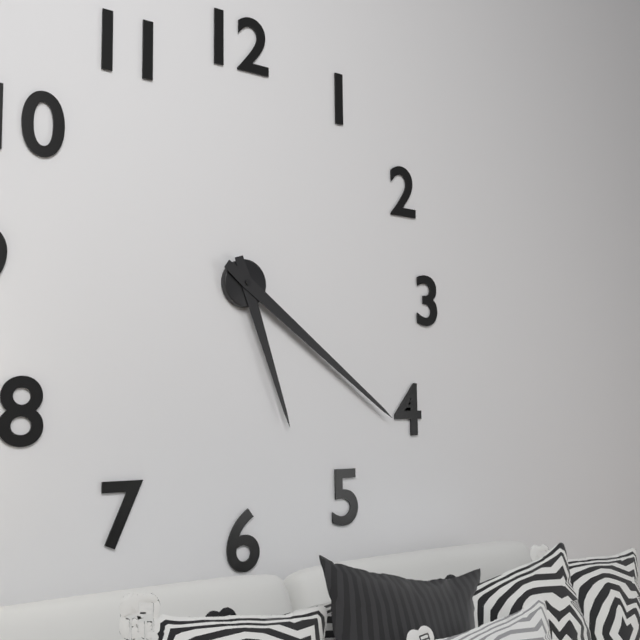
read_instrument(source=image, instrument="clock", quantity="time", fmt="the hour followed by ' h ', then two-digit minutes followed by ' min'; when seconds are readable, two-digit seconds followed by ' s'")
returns 5 h 21 min
